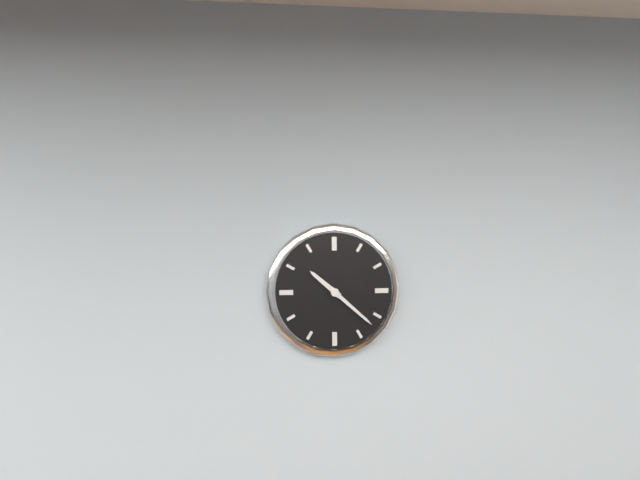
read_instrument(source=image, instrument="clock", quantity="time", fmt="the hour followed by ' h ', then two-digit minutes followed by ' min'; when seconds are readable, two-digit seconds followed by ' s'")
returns 10 h 22 min
